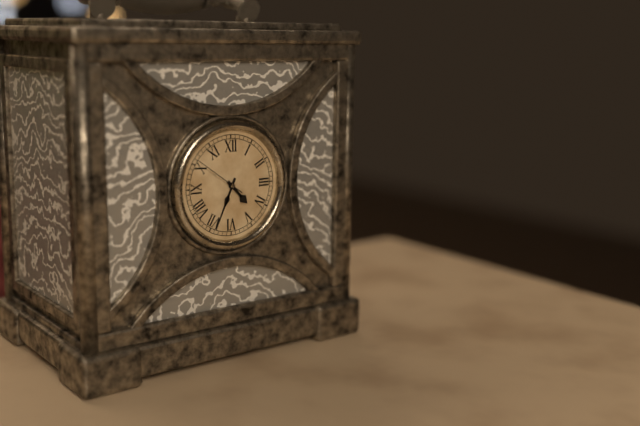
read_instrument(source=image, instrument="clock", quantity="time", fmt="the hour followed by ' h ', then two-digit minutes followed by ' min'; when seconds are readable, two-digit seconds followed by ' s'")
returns 4 h 34 min 51 s
